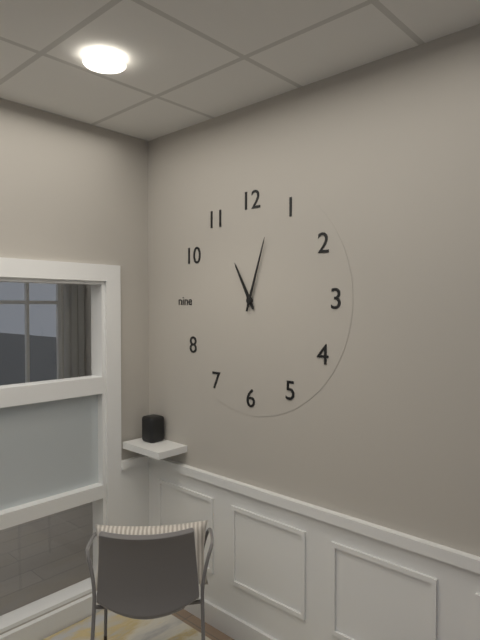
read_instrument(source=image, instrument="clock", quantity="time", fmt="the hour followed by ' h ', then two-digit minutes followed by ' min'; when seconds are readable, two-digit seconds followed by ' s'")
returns 11 h 03 min
